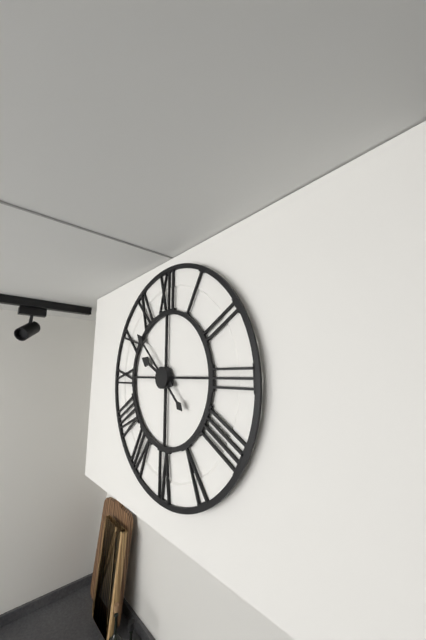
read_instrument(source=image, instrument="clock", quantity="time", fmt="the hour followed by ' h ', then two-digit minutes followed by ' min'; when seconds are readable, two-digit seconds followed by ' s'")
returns 9 h 52 min
